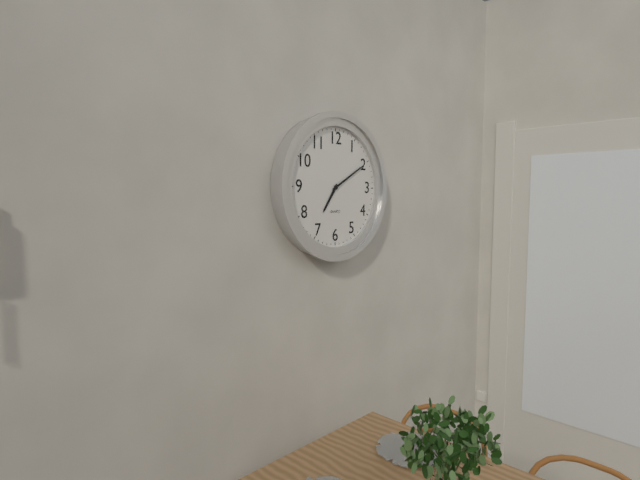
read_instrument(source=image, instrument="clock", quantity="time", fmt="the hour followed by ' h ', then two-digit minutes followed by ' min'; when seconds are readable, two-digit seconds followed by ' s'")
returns 7 h 10 min
